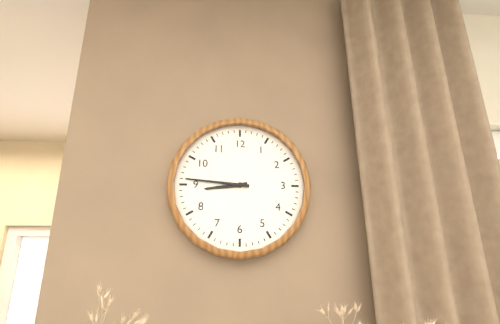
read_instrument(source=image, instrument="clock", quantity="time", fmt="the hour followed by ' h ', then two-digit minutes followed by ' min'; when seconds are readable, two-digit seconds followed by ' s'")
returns 8 h 46 min
